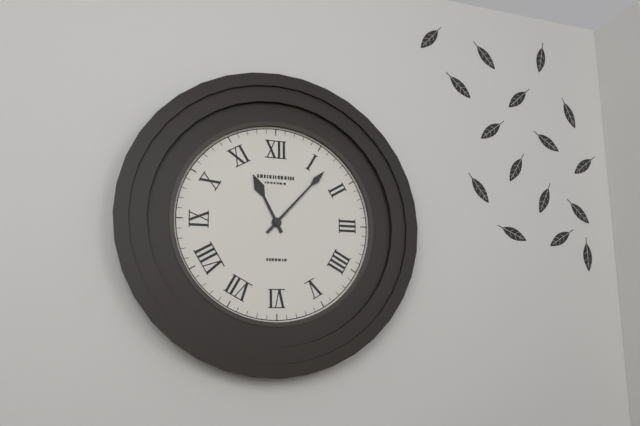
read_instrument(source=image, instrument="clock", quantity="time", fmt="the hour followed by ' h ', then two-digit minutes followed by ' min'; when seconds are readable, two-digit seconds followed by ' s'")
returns 11 h 07 min
